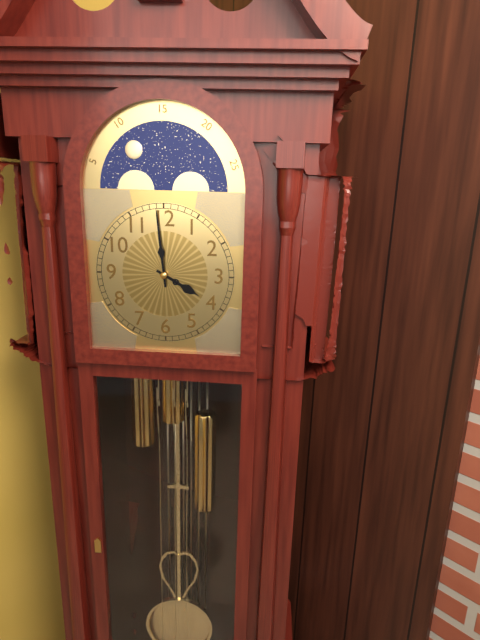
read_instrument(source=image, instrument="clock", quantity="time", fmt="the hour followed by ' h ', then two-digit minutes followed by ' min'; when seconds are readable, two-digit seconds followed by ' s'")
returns 3 h 59 min
